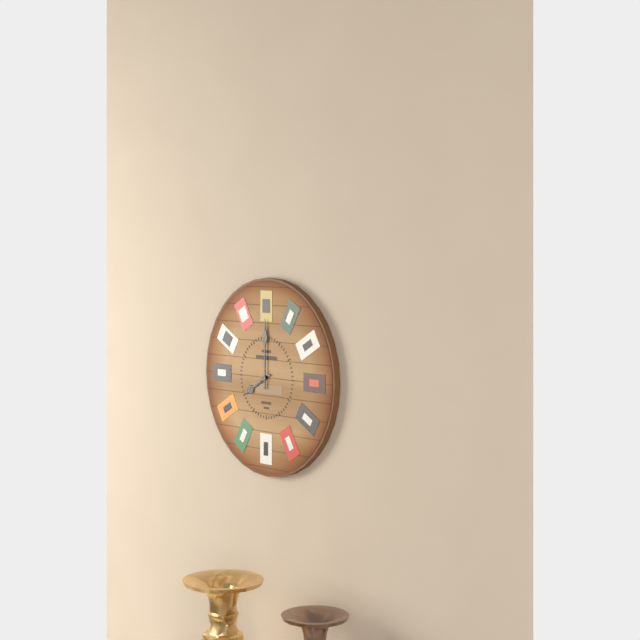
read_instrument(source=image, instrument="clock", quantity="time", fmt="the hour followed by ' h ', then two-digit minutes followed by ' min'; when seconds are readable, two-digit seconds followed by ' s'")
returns 8 h 00 min
